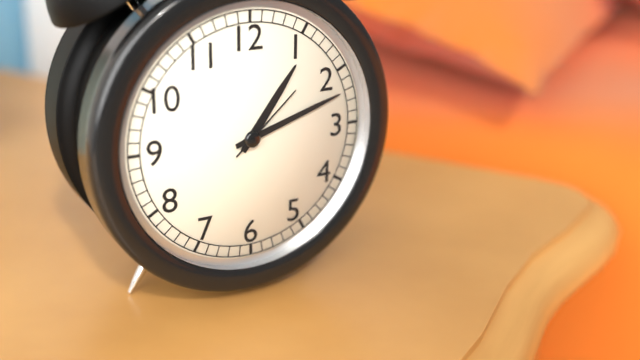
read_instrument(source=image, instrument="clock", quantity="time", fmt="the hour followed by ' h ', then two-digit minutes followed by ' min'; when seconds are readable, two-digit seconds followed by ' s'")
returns 1 h 12 min 08 s
